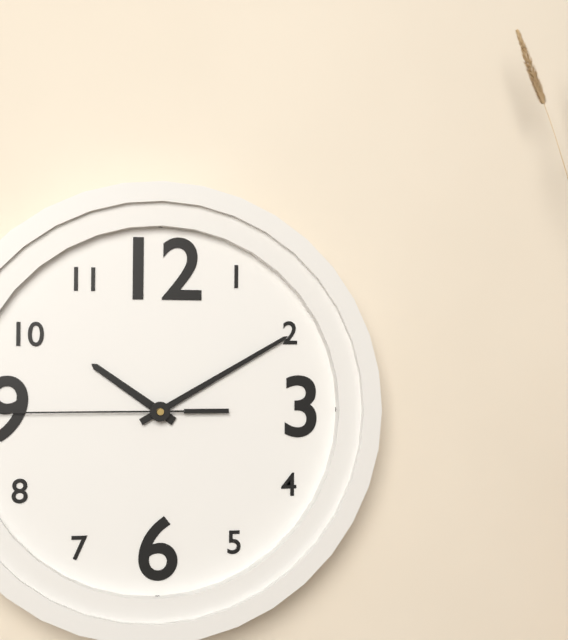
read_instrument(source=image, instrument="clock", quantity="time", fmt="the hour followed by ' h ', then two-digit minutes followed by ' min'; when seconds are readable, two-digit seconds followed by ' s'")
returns 10 h 10 min
